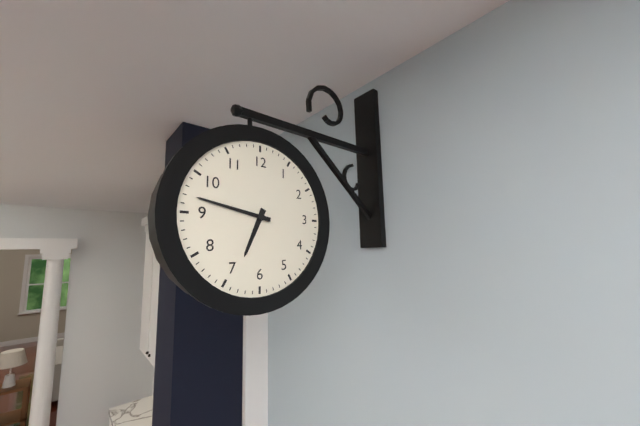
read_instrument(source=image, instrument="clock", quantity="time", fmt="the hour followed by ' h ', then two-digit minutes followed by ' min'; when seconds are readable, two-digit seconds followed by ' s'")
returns 6 h 47 min
